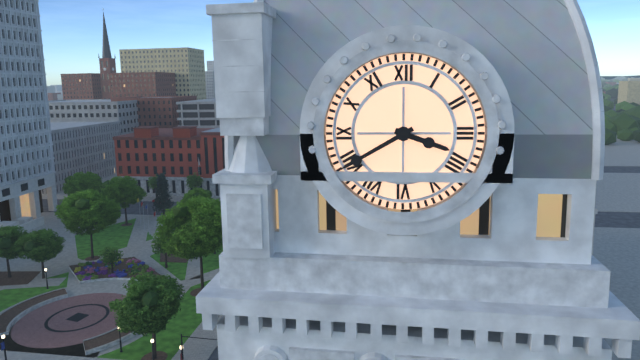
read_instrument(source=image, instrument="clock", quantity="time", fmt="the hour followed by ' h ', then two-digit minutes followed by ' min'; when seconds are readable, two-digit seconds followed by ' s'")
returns 3 h 40 min
